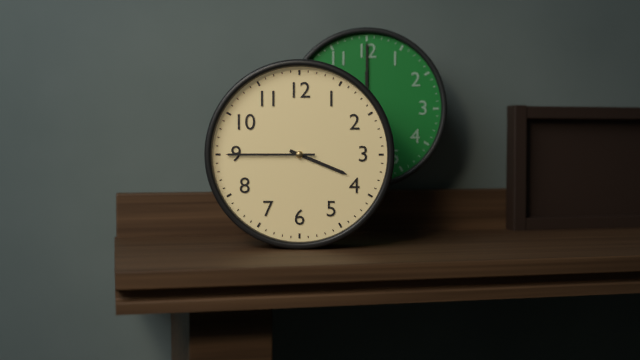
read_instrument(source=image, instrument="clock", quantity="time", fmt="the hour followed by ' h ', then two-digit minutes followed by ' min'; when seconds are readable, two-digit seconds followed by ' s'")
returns 3 h 45 min
